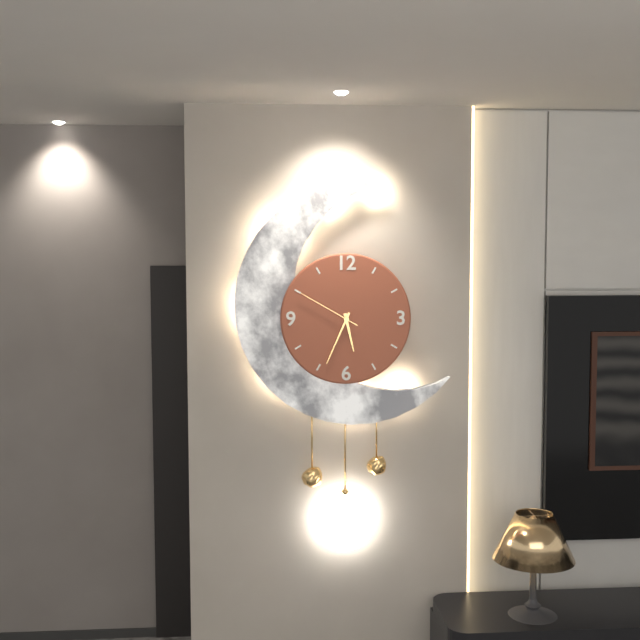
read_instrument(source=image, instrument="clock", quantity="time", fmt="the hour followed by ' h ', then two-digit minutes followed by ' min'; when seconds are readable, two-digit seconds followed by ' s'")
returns 5 h 34 min 50 s
